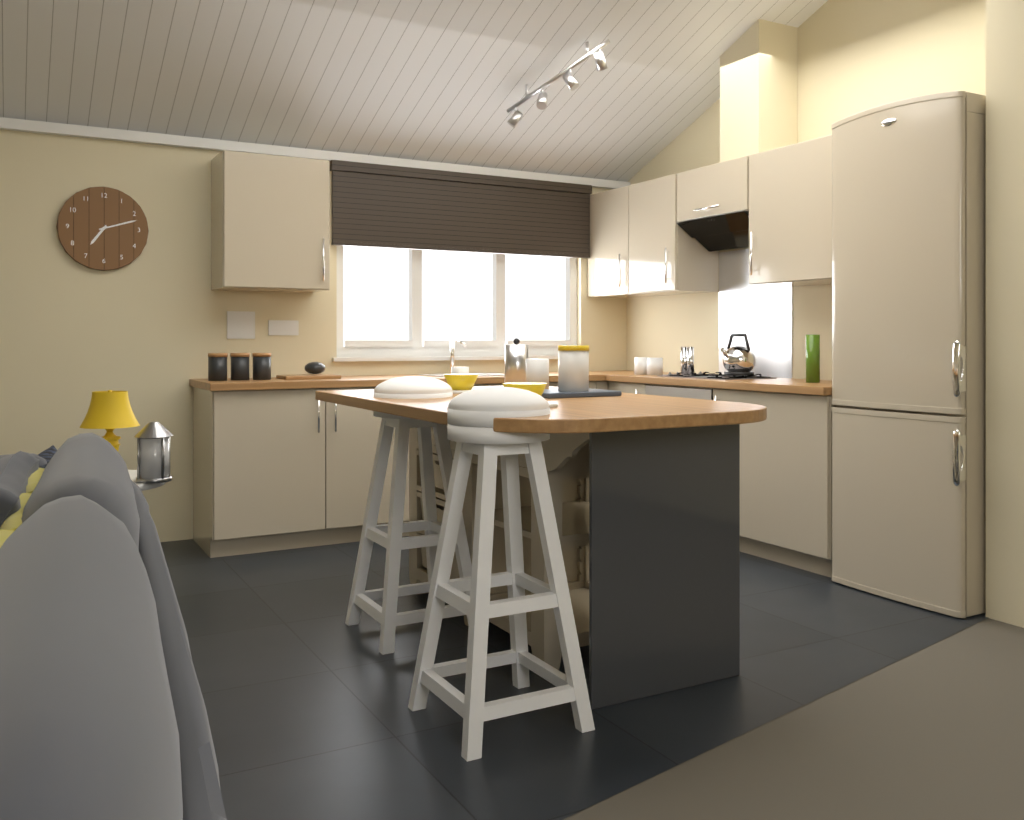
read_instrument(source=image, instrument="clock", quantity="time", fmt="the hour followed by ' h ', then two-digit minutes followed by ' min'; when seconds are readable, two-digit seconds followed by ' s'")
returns 7 h 12 min
